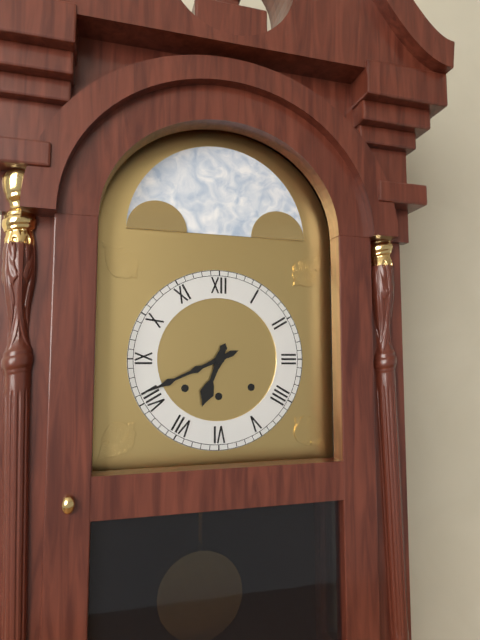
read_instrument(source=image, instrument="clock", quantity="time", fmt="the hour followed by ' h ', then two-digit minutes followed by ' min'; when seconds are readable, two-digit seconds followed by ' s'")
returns 6 h 41 min
